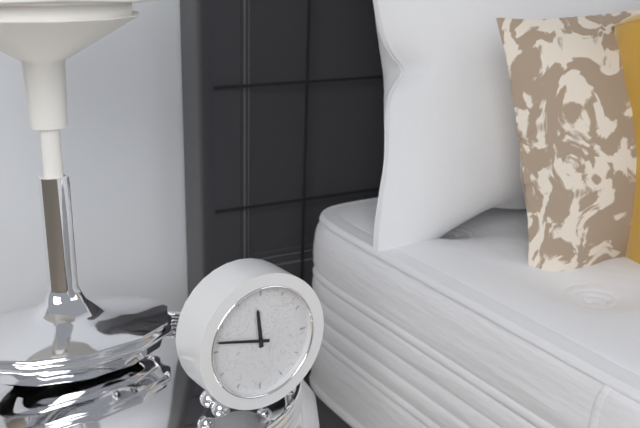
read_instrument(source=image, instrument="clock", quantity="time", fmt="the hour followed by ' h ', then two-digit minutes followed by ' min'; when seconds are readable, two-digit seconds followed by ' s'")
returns 11 h 47 min
